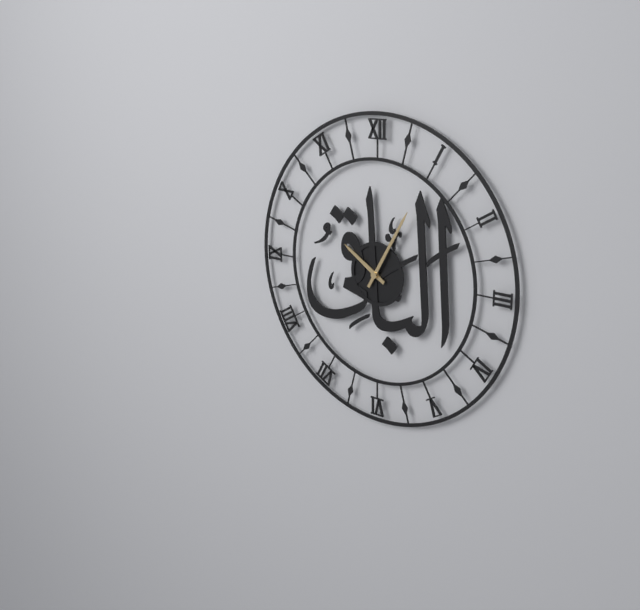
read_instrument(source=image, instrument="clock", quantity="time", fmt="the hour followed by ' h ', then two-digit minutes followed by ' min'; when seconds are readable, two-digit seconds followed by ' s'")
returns 10 h 05 min
